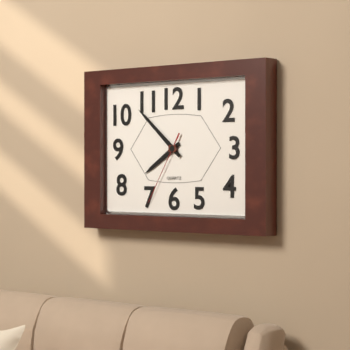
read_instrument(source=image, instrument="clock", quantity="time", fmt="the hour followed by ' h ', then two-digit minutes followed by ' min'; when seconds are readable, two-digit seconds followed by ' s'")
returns 7 h 52 min 35 s
